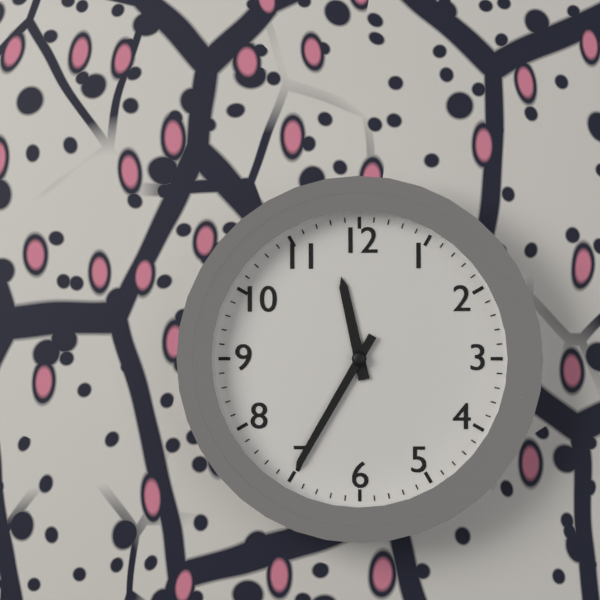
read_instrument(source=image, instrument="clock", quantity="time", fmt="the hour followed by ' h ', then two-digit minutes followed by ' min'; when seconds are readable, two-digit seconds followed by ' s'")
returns 11 h 35 min
